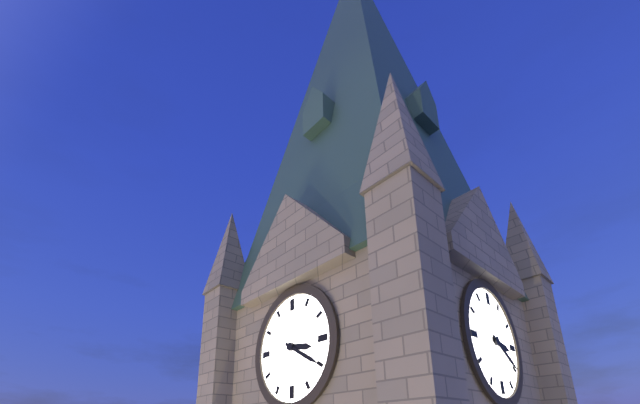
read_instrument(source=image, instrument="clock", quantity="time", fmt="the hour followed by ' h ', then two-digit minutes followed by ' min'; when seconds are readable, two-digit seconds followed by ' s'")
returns 3 h 20 min
